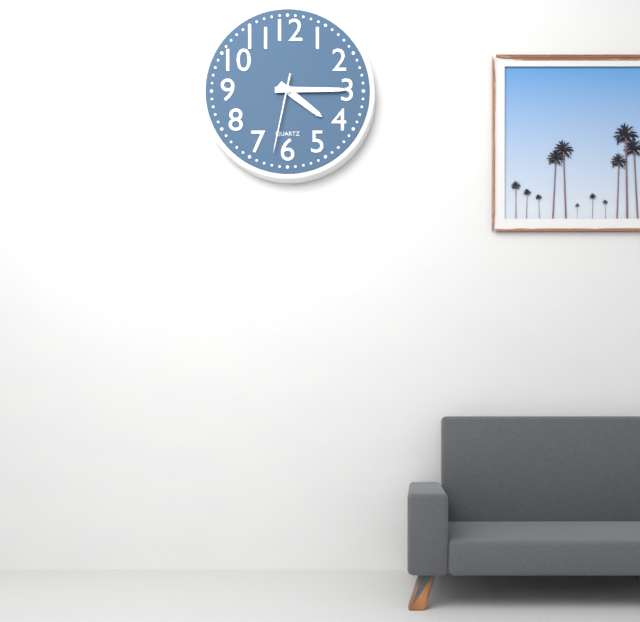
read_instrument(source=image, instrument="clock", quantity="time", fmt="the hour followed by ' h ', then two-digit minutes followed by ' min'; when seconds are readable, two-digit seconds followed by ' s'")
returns 4 h 15 min 32 s
